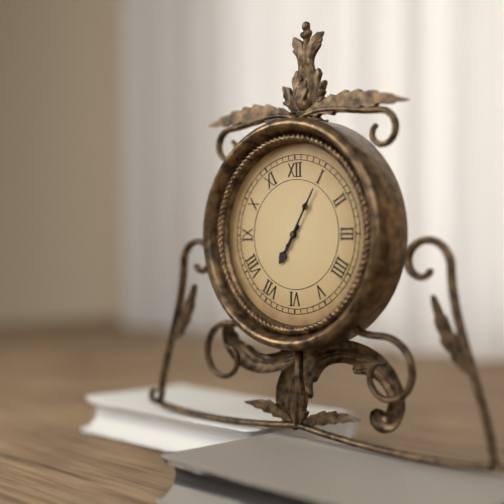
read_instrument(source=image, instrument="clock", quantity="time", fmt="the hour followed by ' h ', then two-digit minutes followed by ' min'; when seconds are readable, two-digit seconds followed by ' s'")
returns 7 h 05 min
